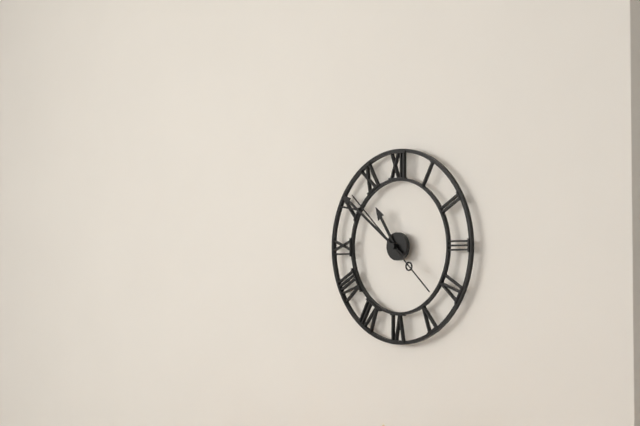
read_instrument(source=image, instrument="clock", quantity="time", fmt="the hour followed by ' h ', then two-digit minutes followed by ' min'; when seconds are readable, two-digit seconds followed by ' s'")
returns 10 h 51 min 52 s
